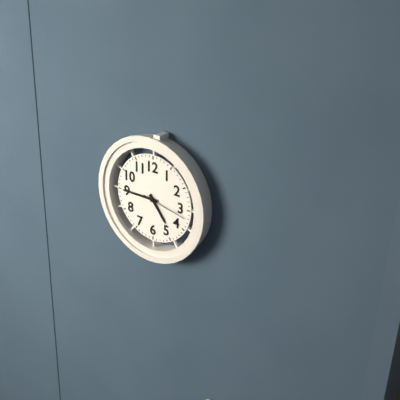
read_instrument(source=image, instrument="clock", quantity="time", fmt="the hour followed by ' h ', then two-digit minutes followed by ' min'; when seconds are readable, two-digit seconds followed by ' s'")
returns 4 h 45 min
